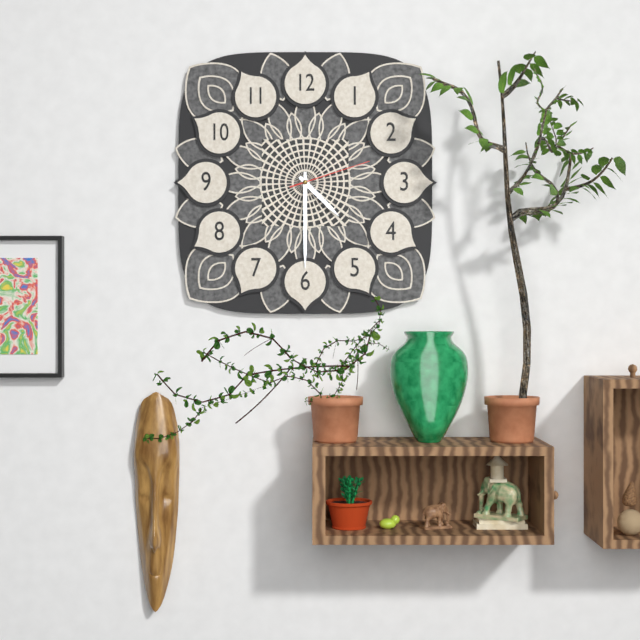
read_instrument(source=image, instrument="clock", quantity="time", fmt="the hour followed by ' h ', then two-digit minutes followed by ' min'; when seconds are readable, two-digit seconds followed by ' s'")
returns 4 h 30 min 12 s
